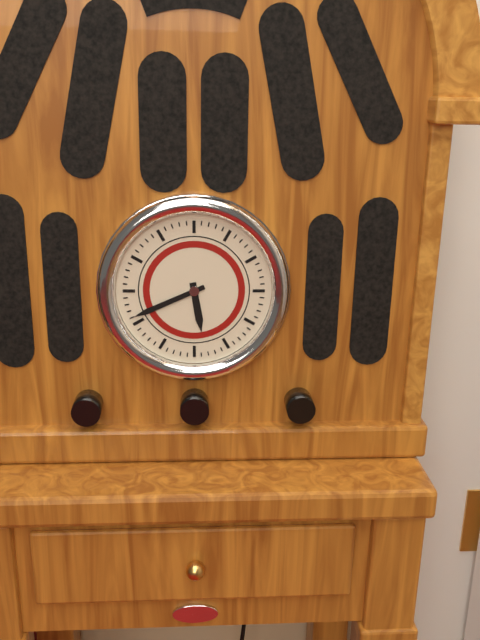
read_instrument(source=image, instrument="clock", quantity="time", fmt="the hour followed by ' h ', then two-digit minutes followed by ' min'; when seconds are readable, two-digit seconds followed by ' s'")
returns 5 h 41 min
